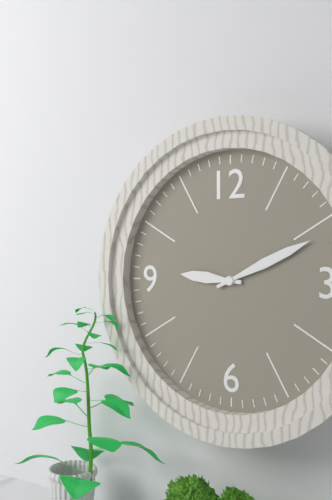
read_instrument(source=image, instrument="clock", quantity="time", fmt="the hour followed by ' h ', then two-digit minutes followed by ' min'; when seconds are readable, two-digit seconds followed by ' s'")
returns 9 h 11 min
